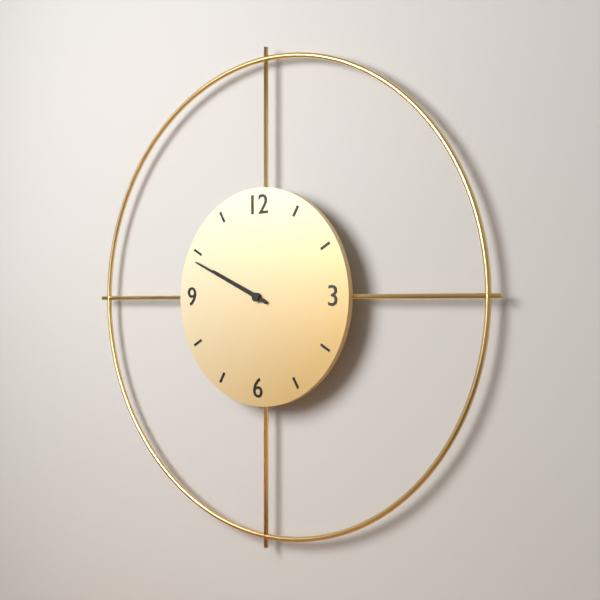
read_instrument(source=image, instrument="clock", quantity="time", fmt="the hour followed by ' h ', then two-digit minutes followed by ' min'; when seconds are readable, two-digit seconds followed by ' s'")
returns 9 h 49 min
